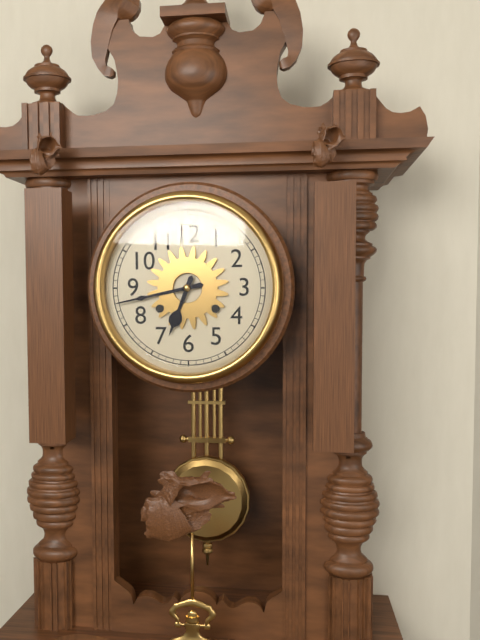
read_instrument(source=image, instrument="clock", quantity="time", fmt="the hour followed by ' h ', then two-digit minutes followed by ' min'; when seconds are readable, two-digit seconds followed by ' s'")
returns 6 h 43 min
